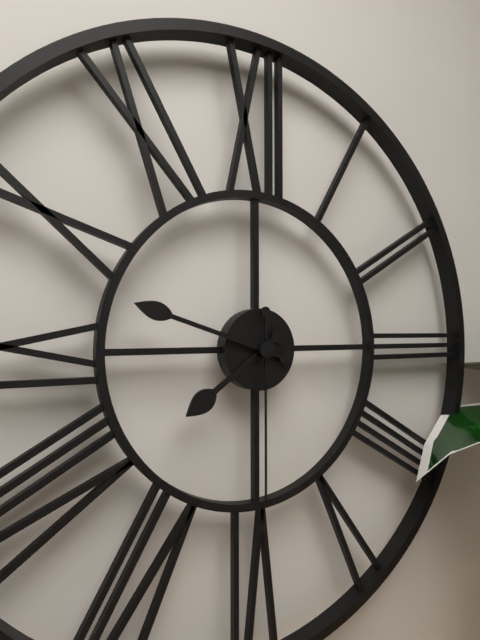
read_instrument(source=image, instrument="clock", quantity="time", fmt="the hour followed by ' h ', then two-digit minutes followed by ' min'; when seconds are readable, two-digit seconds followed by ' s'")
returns 7 h 48 min 30 s
